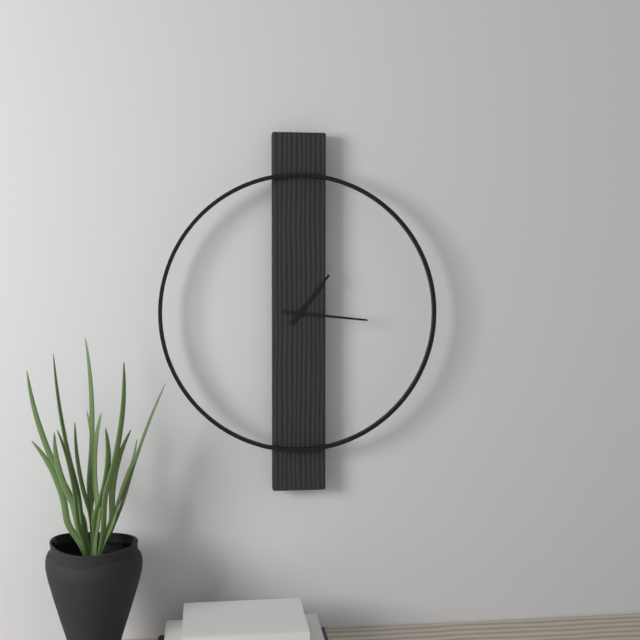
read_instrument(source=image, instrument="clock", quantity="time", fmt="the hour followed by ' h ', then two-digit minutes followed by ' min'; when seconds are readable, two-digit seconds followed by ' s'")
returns 1 h 16 min
